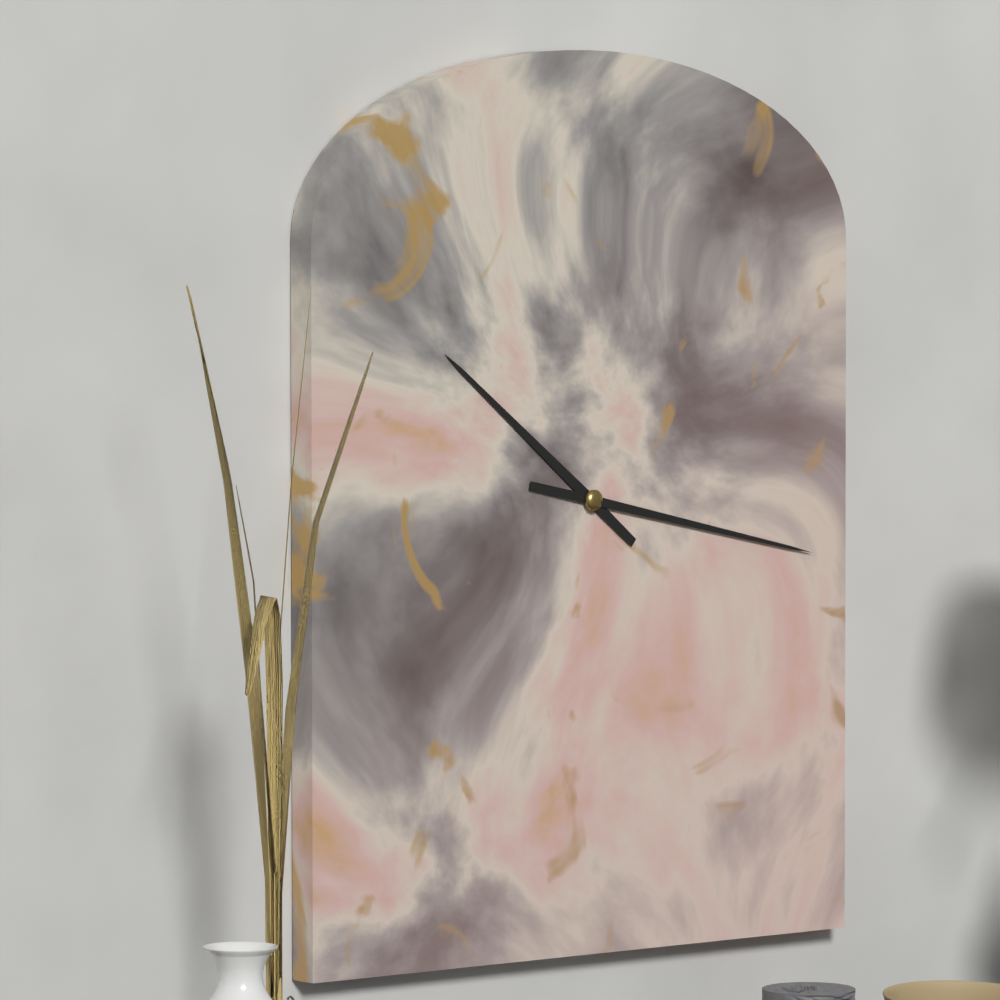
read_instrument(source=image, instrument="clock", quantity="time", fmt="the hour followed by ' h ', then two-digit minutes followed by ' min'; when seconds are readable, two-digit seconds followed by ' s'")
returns 10 h 17 min
